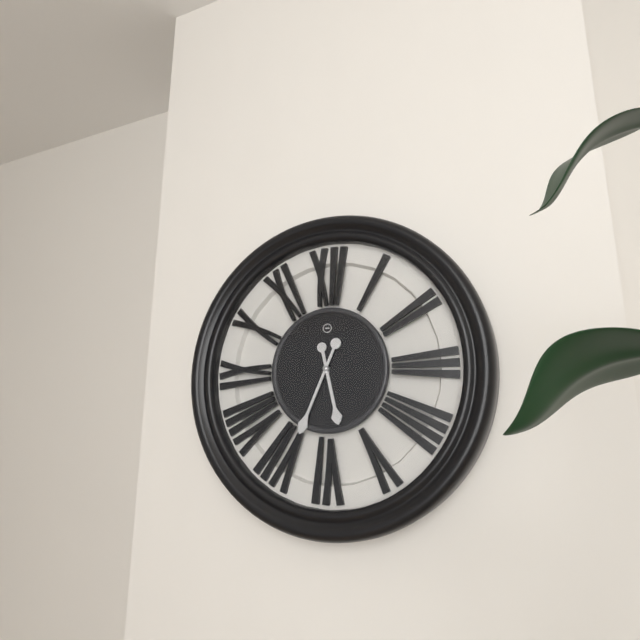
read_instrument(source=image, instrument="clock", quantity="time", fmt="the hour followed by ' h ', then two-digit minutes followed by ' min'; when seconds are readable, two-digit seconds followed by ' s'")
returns 5 h 34 min
